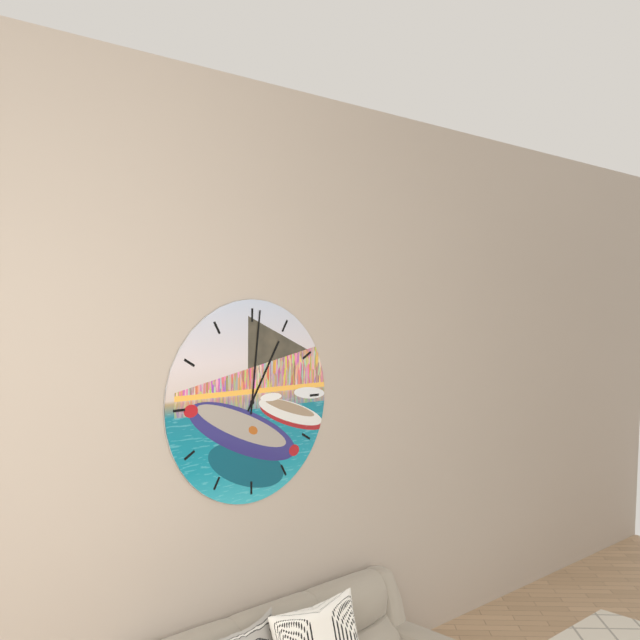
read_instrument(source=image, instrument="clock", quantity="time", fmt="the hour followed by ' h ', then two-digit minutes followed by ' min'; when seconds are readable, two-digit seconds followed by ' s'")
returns 1 h 01 min
